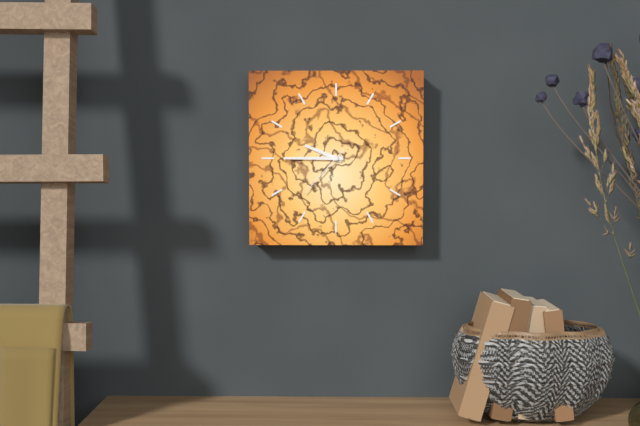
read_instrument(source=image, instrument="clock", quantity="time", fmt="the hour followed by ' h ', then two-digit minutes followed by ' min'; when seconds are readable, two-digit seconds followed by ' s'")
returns 9 h 45 min 37 s
